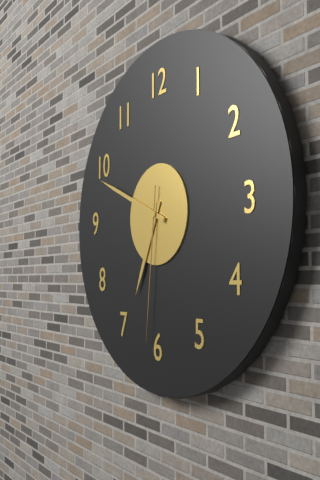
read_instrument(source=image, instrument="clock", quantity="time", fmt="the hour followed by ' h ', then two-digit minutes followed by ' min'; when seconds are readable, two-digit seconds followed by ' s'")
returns 6 h 49 min 31 s
